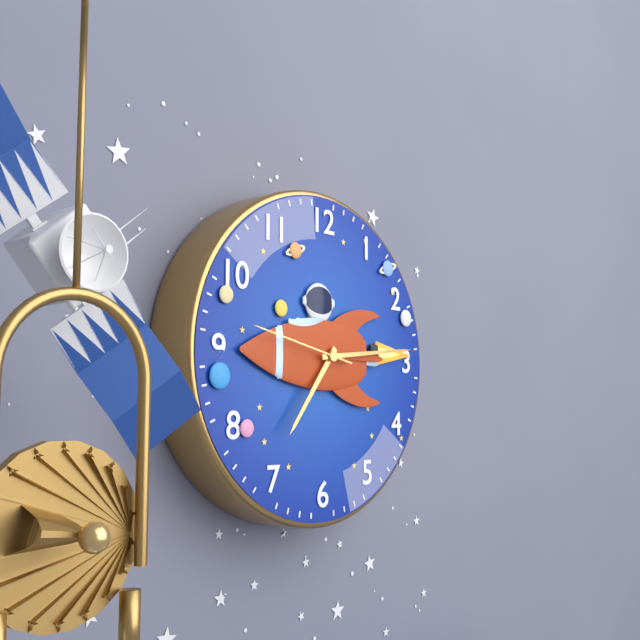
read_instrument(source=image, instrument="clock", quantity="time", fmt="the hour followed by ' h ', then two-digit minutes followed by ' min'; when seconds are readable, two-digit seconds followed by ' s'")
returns 7 h 14 min 47 s
